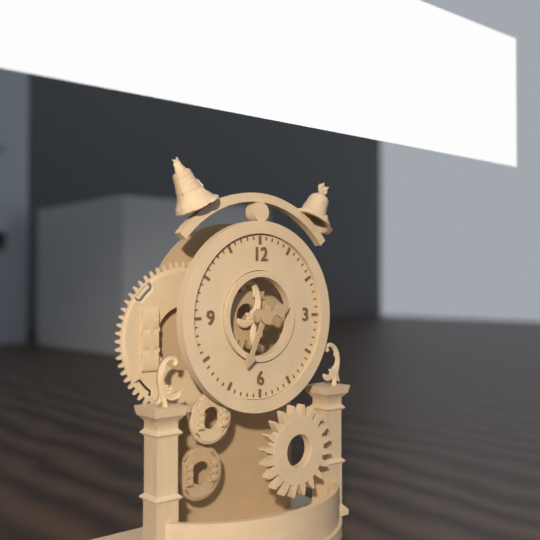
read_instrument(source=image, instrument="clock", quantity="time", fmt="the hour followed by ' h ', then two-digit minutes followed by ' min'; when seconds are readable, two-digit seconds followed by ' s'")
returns 2 h 34 min
